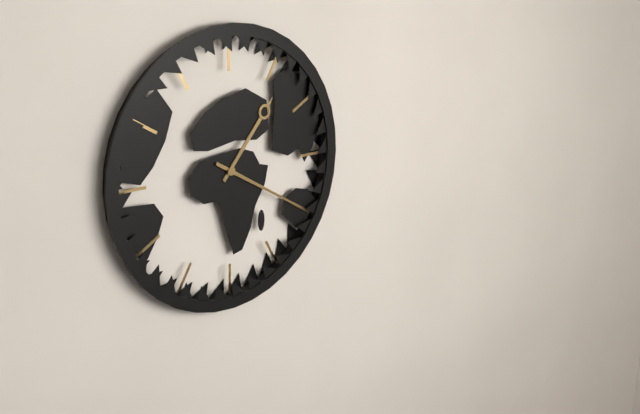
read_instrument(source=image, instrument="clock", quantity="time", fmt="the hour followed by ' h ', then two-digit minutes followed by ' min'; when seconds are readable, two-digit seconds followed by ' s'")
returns 1 h 20 min
